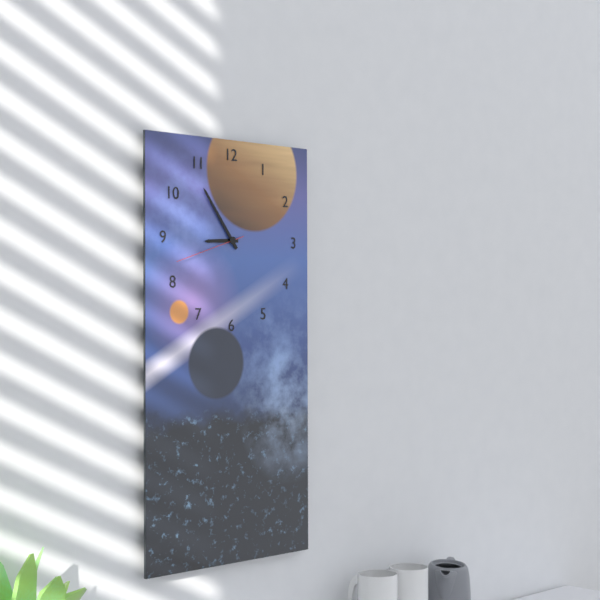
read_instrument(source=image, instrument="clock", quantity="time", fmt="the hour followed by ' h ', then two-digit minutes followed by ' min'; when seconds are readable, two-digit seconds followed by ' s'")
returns 8 h 54 min 42 s
